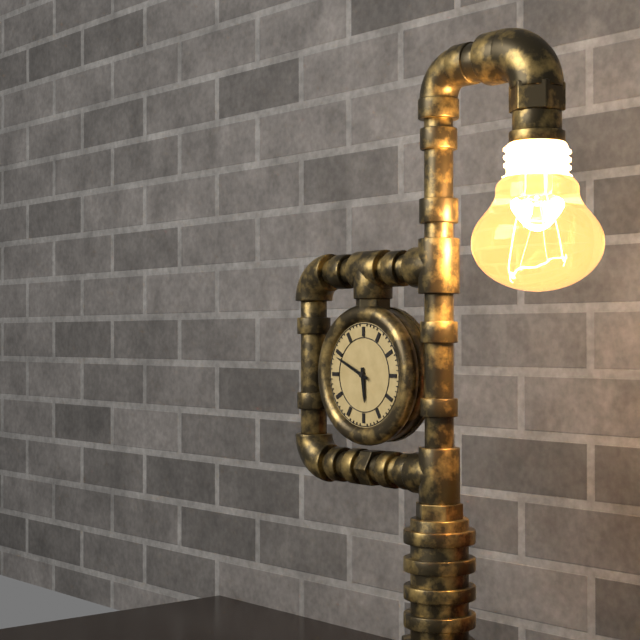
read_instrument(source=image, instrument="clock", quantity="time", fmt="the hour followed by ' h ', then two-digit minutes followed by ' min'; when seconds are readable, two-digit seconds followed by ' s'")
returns 5 h 49 min
